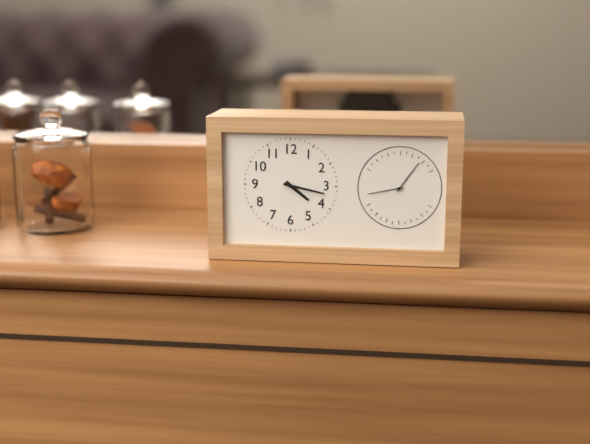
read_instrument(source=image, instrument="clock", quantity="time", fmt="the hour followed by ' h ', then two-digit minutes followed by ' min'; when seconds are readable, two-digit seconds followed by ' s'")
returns 4 h 17 min
